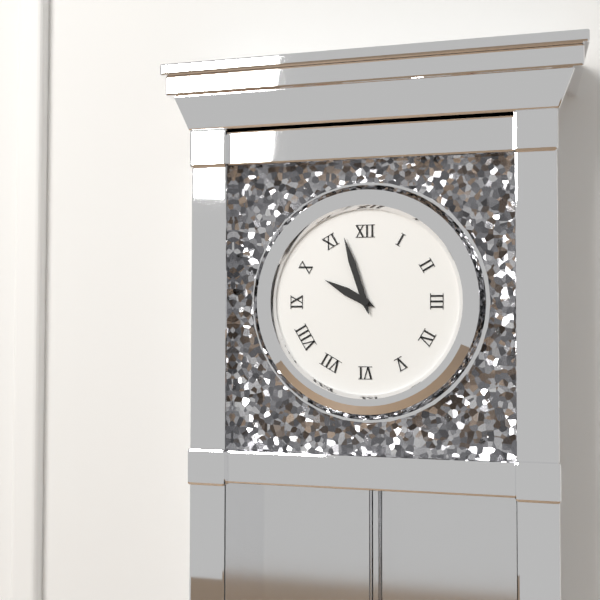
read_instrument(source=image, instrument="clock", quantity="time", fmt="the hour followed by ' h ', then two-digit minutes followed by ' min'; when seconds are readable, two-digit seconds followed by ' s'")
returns 9 h 57 min
